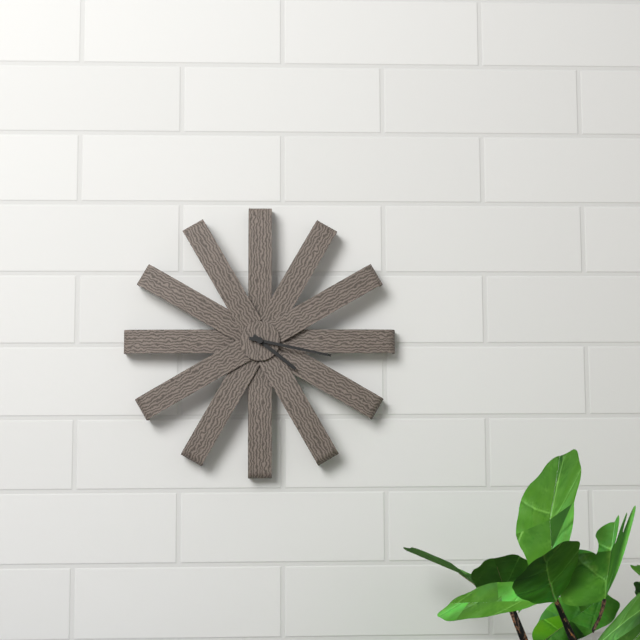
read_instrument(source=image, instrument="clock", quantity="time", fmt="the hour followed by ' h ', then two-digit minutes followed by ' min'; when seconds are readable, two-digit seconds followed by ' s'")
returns 4 h 17 min
